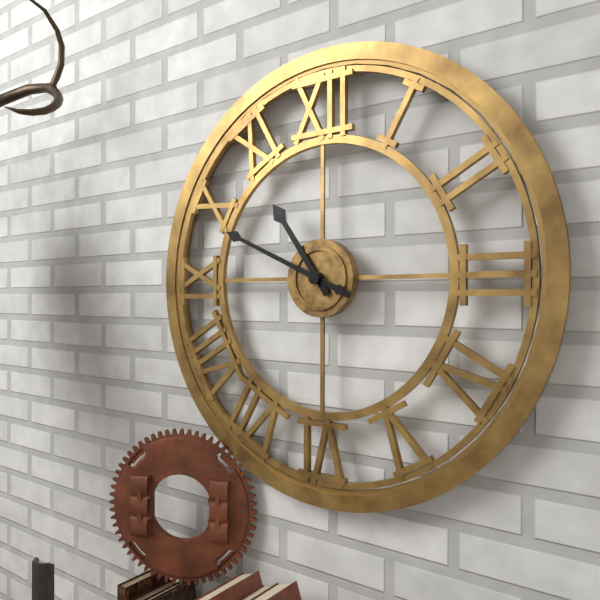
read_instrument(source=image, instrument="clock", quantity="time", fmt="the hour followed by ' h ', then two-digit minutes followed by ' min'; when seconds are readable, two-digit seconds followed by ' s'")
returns 10 h 49 min
